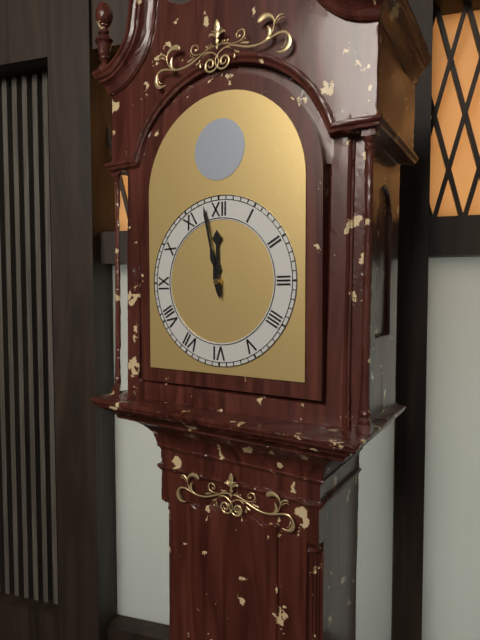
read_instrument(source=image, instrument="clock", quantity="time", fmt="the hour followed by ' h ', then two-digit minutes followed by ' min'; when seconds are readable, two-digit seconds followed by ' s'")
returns 11 h 58 min
